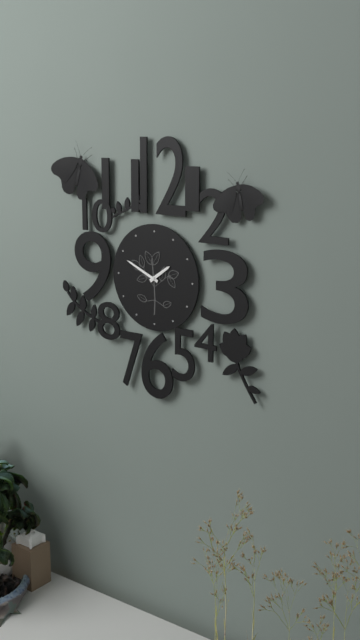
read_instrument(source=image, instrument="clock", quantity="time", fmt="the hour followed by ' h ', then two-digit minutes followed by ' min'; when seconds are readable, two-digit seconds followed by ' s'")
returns 1 h 49 min
